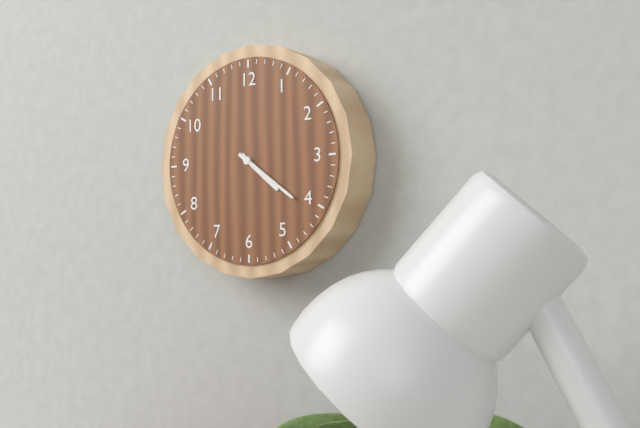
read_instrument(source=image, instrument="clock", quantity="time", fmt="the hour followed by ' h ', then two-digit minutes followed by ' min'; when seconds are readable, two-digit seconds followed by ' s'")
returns 4 h 21 min
